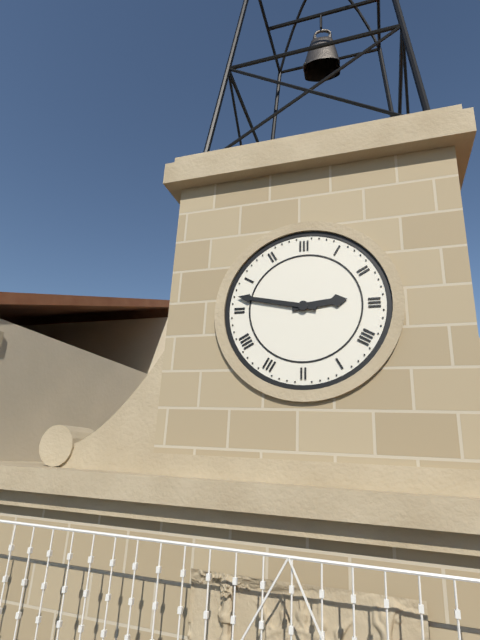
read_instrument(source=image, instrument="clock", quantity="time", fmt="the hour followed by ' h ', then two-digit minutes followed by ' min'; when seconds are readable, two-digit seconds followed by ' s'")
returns 2 h 47 min
